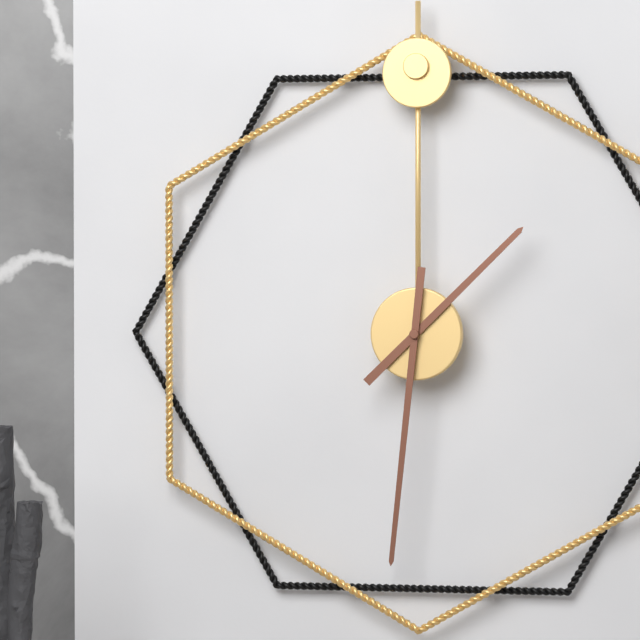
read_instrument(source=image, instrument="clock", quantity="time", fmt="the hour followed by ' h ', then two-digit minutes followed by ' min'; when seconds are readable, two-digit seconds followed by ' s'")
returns 1 h 31 min
